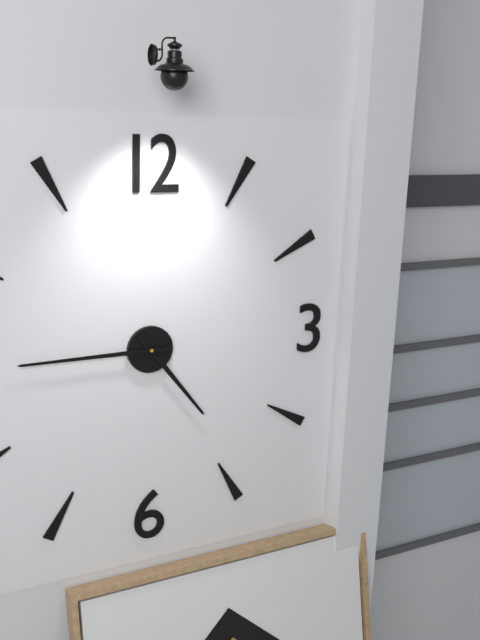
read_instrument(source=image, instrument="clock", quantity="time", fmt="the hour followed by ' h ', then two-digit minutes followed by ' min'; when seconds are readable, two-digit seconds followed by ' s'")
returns 4 h 45 min
